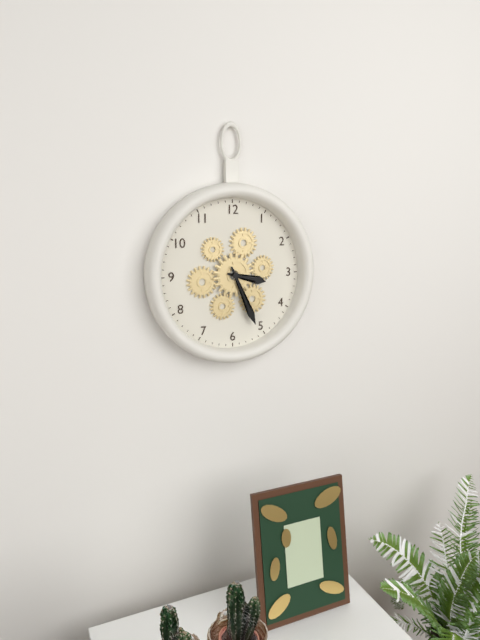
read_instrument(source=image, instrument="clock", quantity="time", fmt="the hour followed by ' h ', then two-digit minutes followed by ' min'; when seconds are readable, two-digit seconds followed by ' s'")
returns 3 h 26 min
